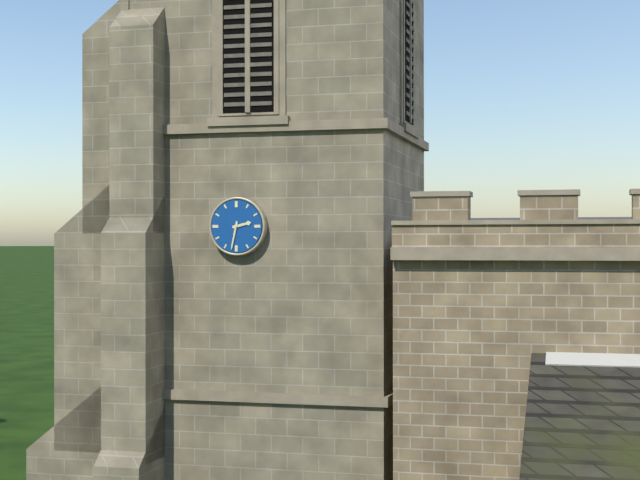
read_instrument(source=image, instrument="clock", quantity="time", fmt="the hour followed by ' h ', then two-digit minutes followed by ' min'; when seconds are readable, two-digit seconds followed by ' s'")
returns 2 h 32 min
